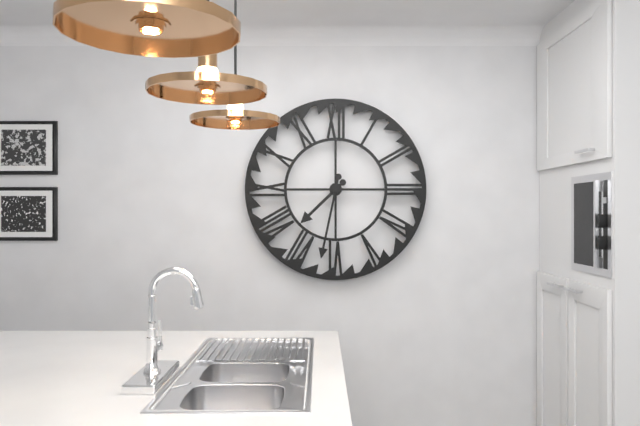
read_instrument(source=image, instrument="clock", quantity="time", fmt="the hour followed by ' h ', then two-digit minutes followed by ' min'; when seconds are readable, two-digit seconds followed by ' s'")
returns 7 h 32 min
